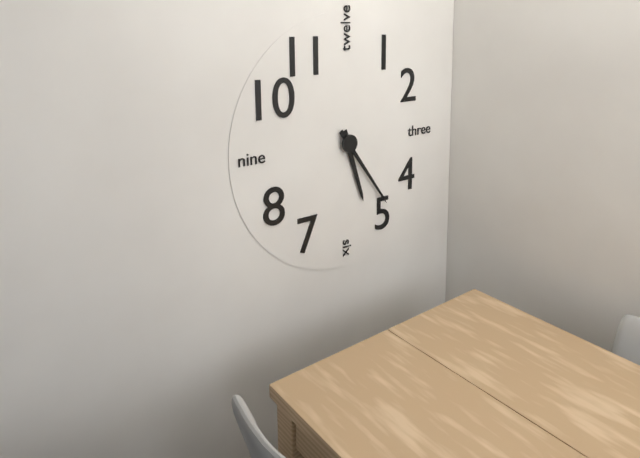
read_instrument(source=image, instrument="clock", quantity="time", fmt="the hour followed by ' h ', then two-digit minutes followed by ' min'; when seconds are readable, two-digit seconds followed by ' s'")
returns 5 h 24 min
